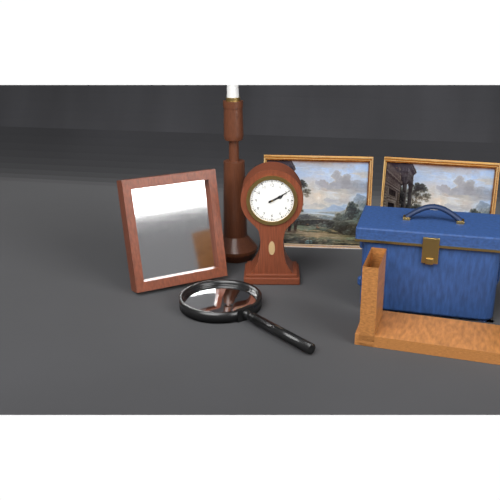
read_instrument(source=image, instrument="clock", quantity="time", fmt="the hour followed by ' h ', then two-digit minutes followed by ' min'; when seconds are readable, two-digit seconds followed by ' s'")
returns 2 h 10 min
